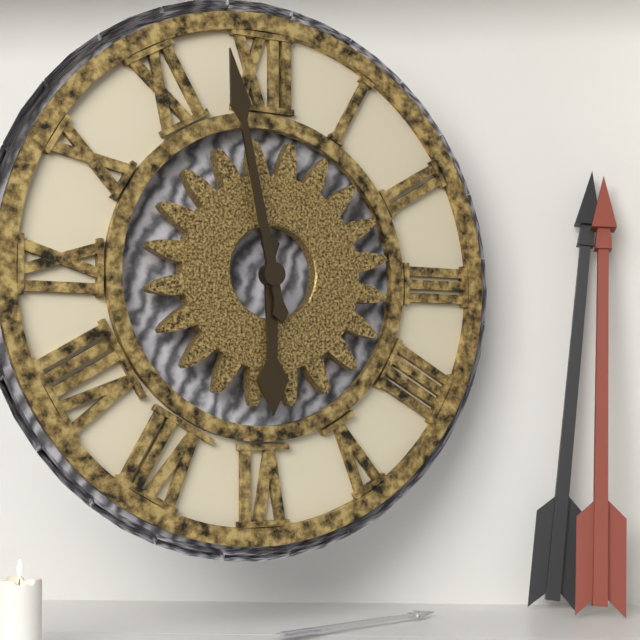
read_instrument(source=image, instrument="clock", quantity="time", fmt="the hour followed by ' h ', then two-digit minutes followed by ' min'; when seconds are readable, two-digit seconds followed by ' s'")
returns 5 h 58 min
